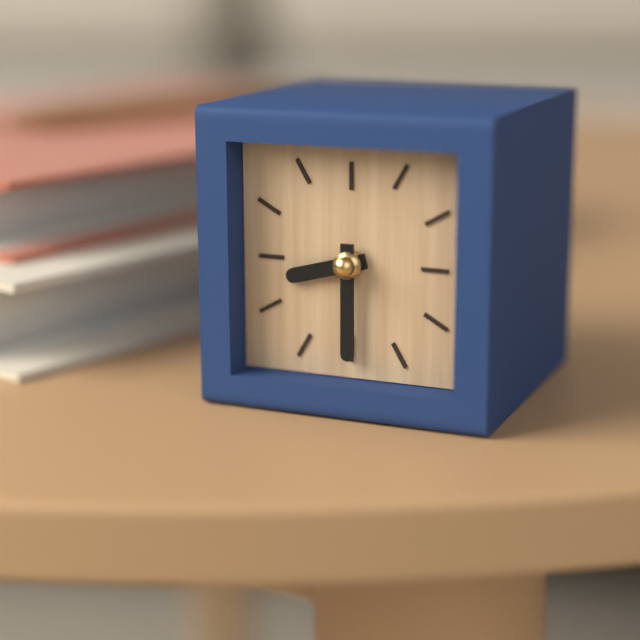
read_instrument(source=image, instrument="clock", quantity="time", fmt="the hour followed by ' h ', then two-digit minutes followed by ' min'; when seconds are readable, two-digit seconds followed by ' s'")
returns 8 h 30 min
